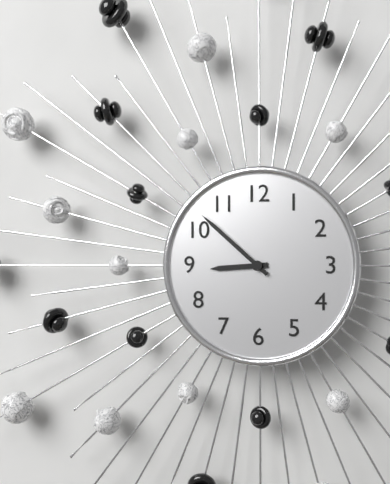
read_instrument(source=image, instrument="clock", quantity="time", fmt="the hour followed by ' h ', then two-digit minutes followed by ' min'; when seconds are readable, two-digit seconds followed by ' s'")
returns 8 h 52 min
